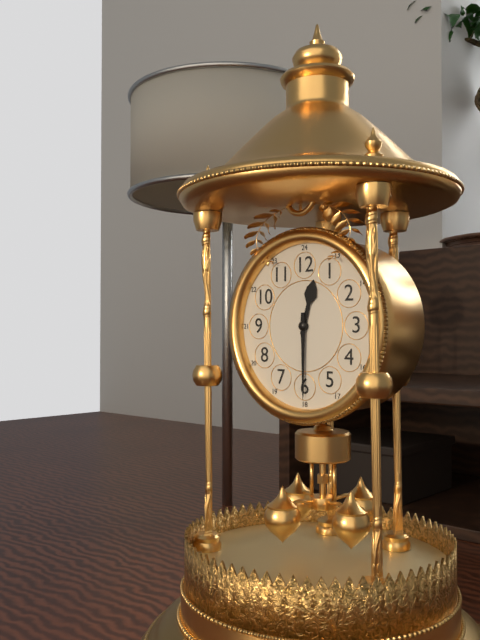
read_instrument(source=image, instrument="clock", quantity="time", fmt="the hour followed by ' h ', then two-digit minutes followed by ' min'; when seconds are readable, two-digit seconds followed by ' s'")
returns 12 h 30 min
